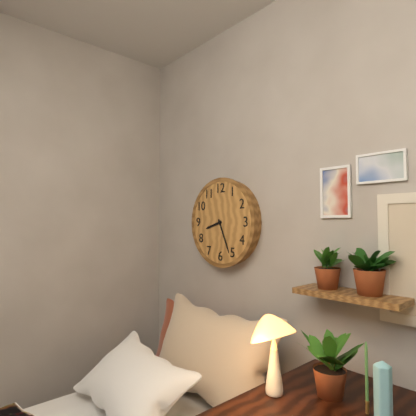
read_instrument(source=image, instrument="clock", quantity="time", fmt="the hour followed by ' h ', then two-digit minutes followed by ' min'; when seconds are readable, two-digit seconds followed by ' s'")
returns 8 h 26 min
